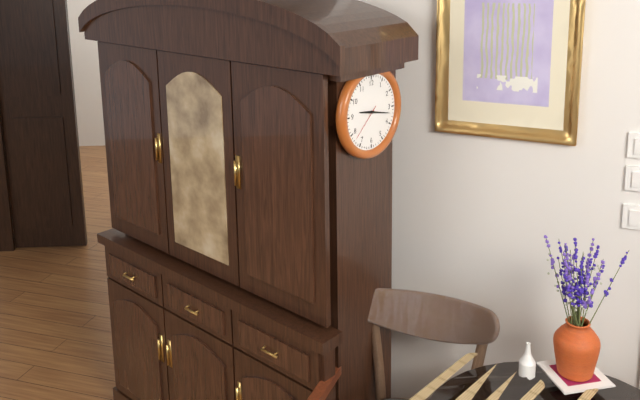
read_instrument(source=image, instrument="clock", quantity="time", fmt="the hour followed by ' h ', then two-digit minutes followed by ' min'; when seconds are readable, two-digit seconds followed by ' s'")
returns 9 h 17 min
